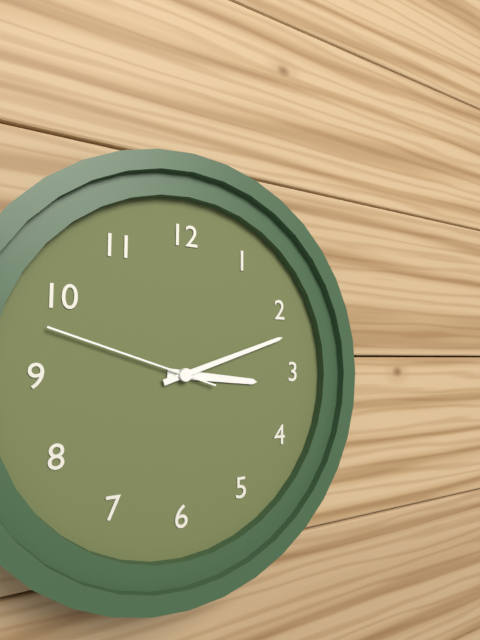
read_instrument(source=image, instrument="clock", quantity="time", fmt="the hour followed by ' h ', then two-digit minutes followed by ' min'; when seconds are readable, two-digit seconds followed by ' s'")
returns 3 h 12 min 48 s
